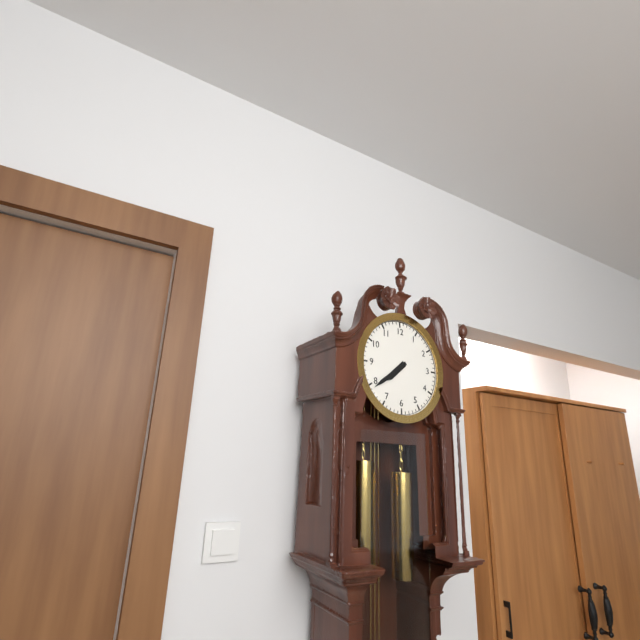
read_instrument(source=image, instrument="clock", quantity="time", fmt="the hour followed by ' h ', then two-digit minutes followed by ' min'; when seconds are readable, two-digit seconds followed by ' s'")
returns 7 h 39 min
